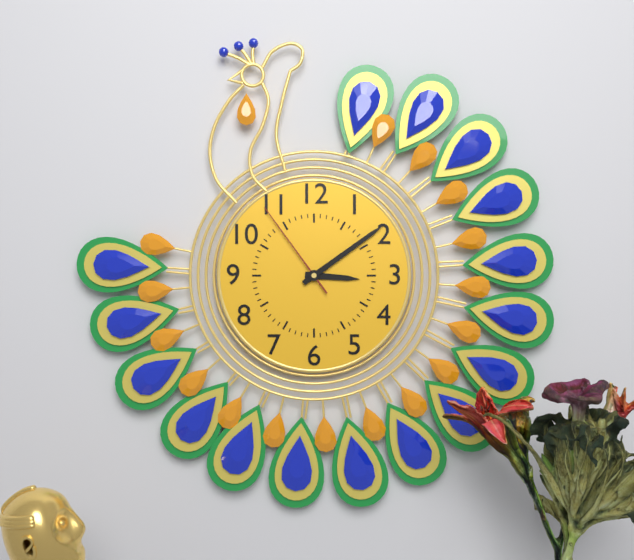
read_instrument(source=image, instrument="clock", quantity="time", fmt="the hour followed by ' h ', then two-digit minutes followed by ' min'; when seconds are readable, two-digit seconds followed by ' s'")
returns 3 h 09 min 54 s
